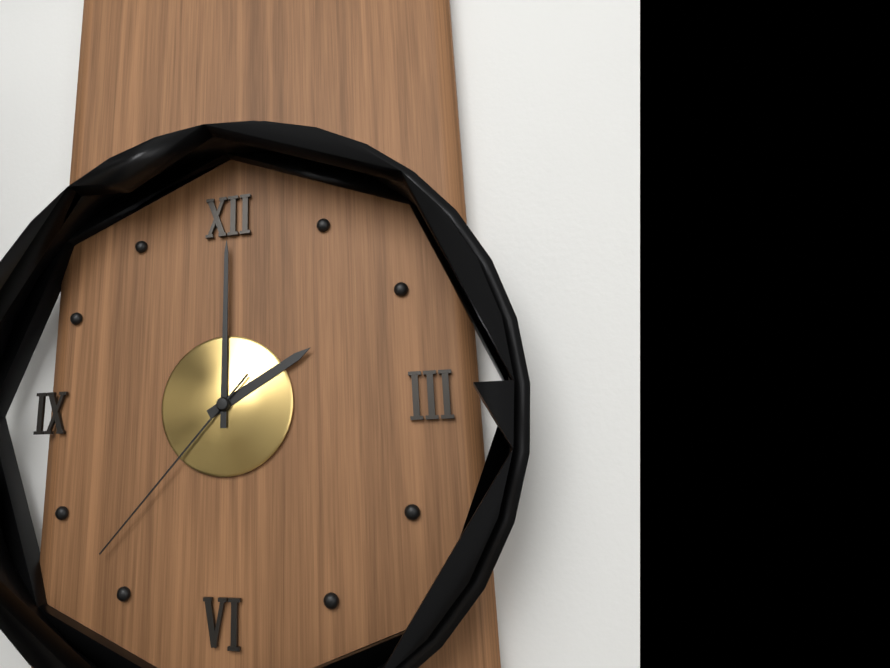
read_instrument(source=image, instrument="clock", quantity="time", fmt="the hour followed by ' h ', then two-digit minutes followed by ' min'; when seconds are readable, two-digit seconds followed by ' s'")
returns 2 h 00 min 37 s
